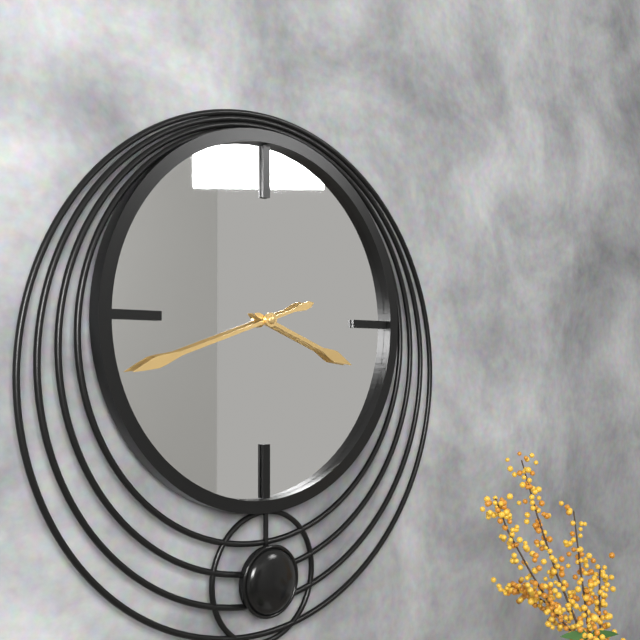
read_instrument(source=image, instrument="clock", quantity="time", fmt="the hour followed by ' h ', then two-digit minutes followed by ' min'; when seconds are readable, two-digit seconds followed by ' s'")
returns 3 h 42 min
